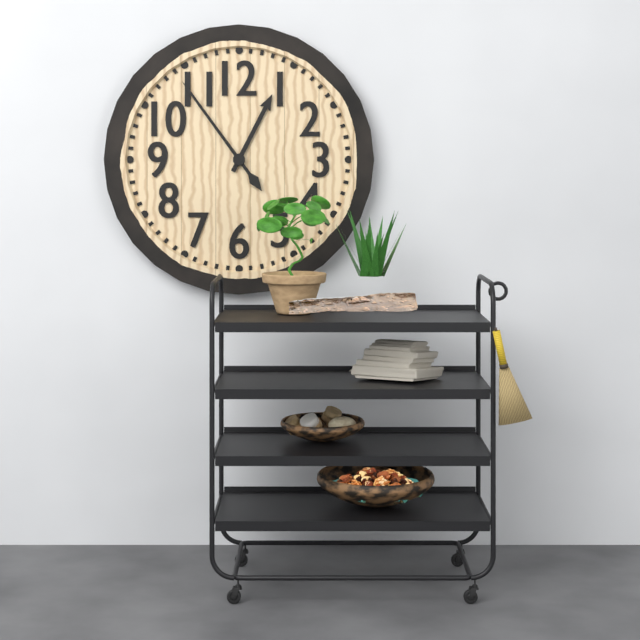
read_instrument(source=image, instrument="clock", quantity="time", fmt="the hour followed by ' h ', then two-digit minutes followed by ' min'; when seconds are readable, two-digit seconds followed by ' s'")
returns 12 h 54 min
